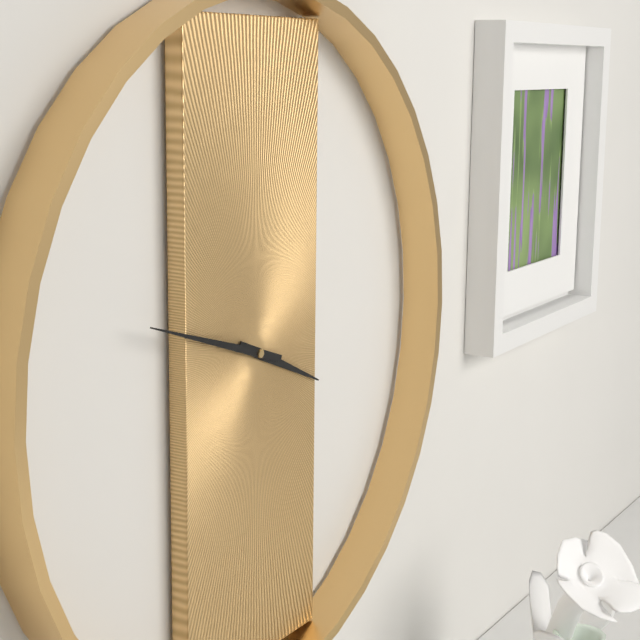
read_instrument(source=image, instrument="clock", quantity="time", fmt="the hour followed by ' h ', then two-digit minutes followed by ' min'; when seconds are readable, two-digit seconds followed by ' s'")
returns 3 h 48 min
